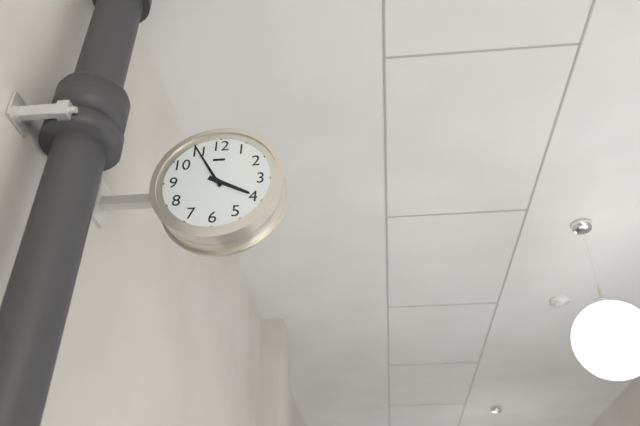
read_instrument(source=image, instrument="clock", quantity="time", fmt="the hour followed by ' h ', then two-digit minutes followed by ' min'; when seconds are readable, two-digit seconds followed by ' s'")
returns 3 h 55 min
